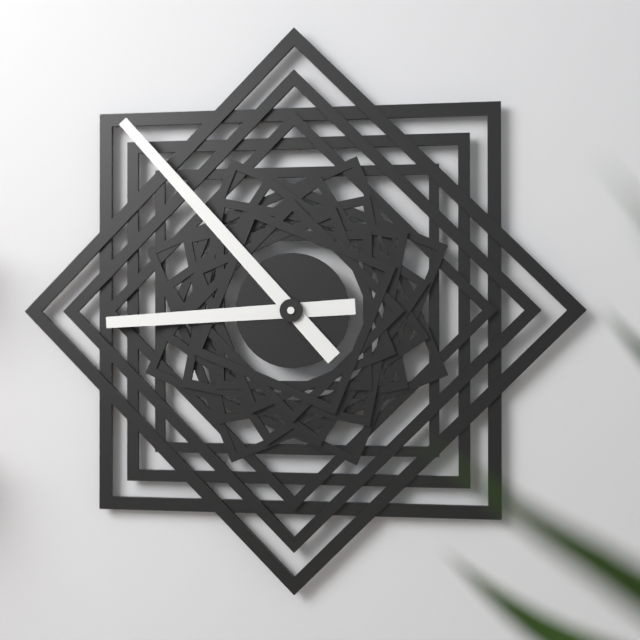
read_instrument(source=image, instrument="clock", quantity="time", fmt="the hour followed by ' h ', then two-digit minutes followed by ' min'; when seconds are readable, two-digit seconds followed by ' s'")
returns 8 h 53 min
